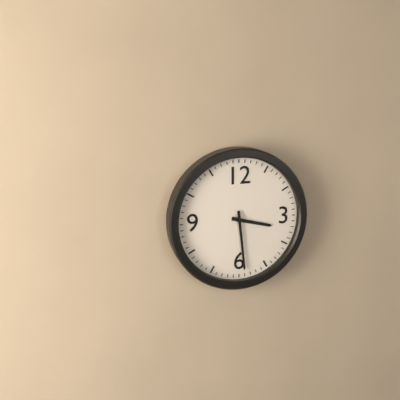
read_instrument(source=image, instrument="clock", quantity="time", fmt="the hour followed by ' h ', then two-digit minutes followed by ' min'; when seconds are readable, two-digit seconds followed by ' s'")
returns 3 h 29 min
